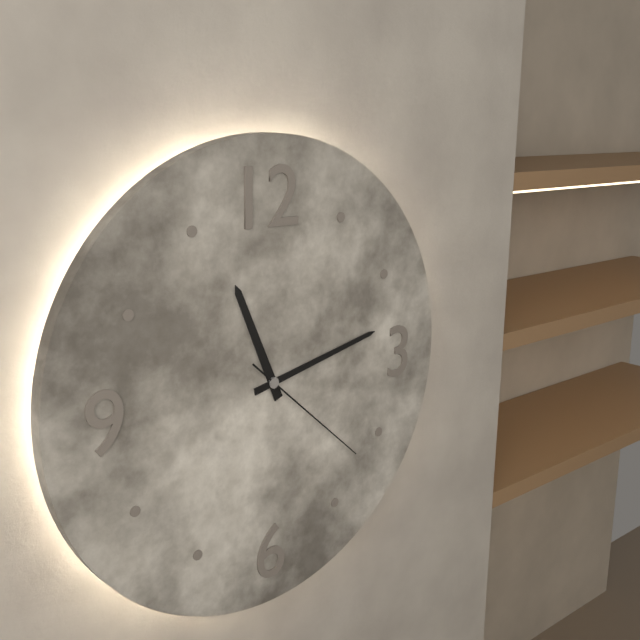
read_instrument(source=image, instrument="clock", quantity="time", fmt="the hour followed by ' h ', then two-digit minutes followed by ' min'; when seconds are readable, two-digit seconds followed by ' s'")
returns 11 h 13 min 22 s
